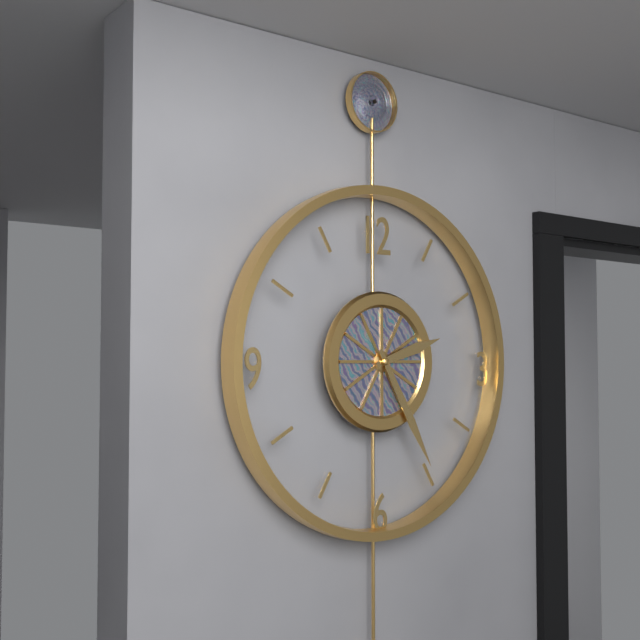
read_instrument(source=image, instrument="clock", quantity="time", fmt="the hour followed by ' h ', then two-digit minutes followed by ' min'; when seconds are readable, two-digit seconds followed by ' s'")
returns 2 h 25 min
